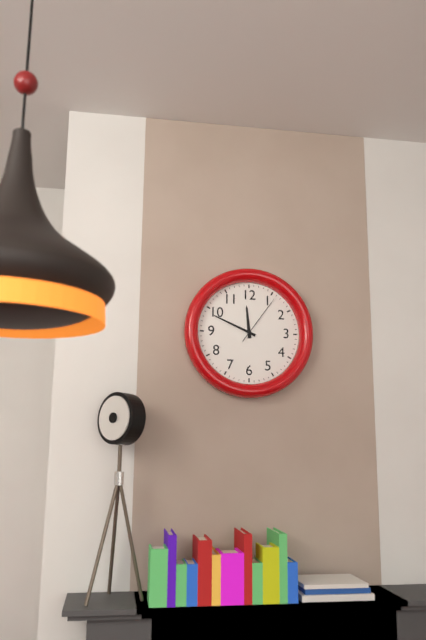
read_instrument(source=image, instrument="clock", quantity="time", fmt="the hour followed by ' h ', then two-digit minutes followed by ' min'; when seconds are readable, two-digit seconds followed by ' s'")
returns 11 h 49 min 06 s
